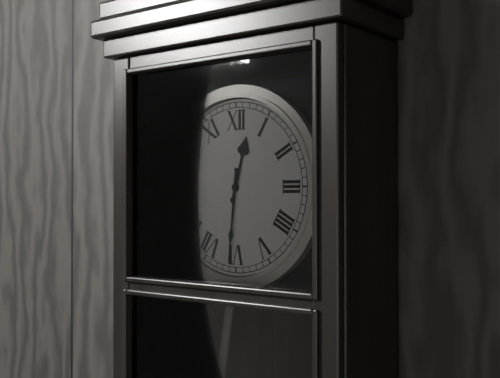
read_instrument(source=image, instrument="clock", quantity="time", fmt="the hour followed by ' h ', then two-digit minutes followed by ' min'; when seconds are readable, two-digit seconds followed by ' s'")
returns 12 h 31 min
